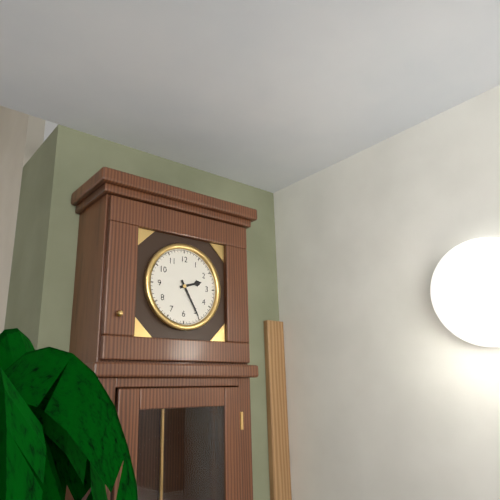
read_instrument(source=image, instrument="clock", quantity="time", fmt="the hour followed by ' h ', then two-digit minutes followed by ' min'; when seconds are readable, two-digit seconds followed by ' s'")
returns 2 h 25 min
